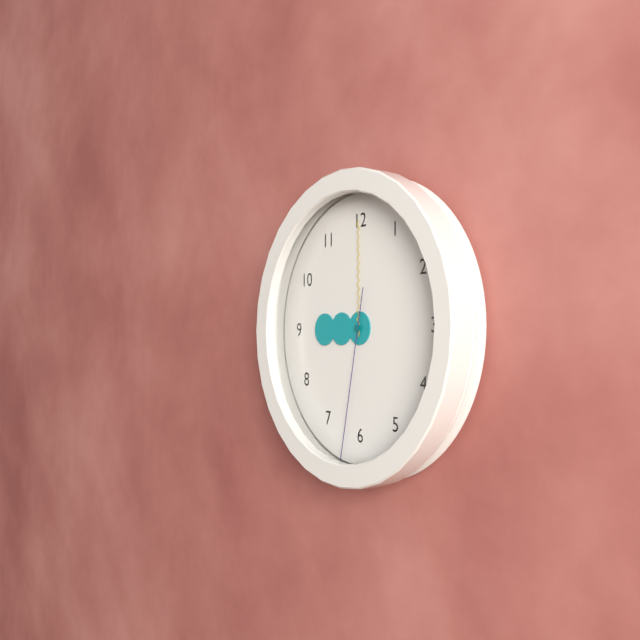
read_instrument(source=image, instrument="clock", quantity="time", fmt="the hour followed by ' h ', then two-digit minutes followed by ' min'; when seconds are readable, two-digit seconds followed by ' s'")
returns 9 h 00 min 32 s
